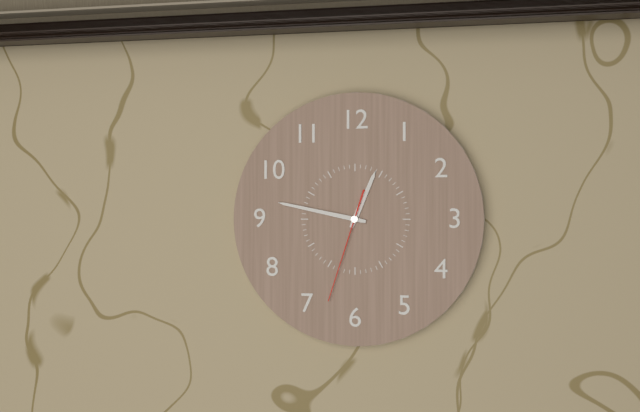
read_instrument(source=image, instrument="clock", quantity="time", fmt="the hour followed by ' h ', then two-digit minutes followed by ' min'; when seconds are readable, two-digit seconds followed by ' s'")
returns 12 h 47 min 33 s
